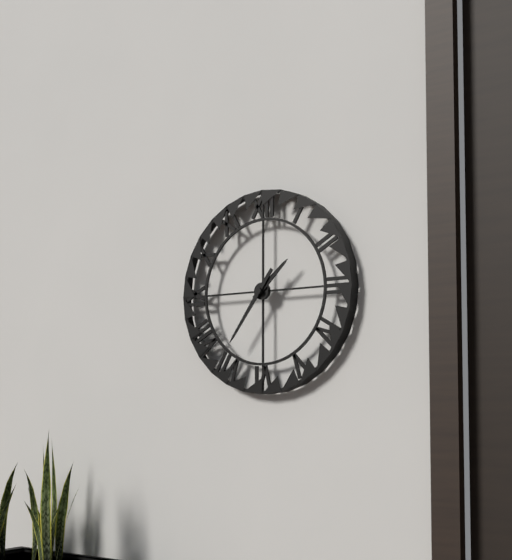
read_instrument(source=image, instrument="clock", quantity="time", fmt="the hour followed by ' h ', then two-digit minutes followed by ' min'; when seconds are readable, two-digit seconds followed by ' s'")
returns 1 h 36 min
